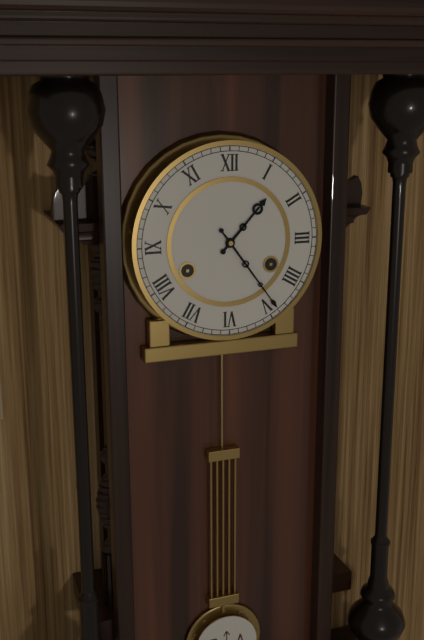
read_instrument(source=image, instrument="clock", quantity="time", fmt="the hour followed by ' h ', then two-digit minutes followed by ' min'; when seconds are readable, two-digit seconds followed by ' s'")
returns 1 h 24 min
